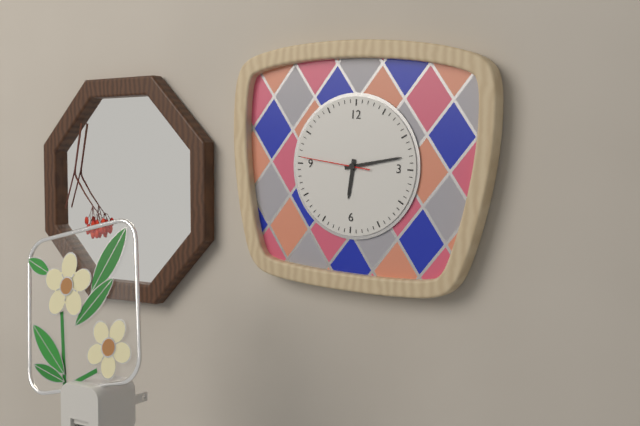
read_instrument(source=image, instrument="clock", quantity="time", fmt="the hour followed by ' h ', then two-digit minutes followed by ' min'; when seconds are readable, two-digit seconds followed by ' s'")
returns 6 h 13 min 46 s
